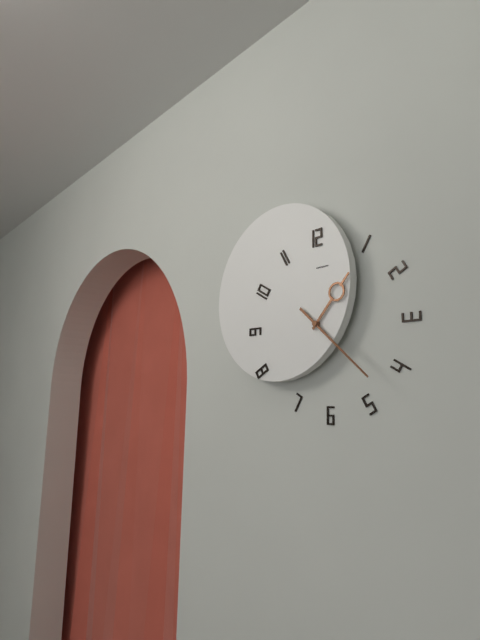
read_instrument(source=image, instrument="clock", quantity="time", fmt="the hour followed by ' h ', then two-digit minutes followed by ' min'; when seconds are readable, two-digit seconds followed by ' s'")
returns 1 h 22 min
